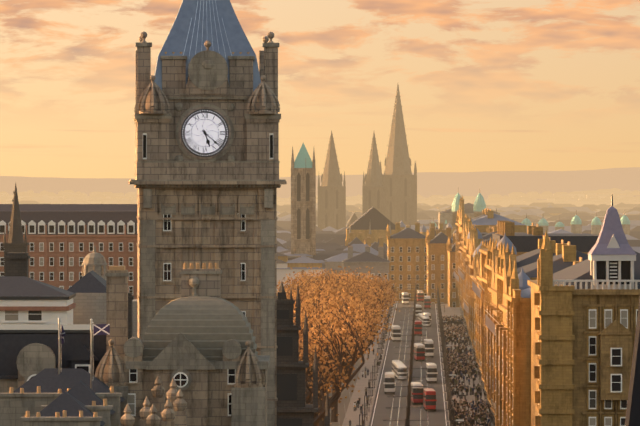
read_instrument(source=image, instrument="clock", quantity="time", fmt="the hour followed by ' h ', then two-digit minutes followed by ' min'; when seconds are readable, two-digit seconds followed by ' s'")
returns 5 h 22 min
